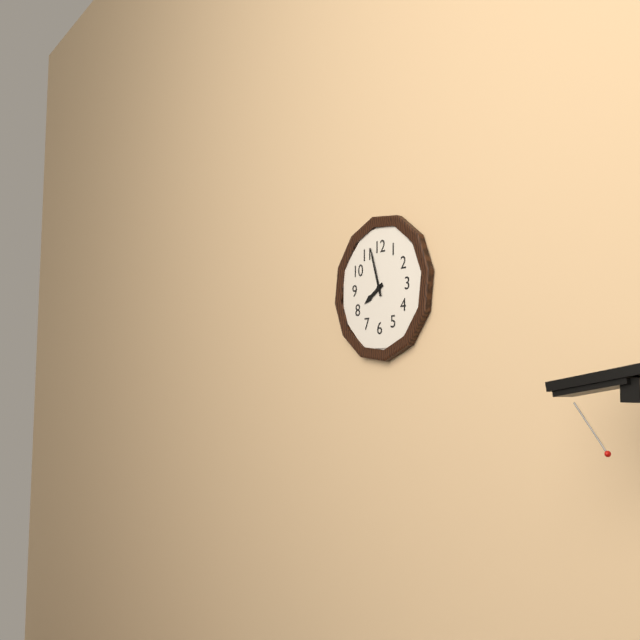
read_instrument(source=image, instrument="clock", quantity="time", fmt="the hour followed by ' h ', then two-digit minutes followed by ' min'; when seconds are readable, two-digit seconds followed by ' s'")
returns 7 h 57 min
